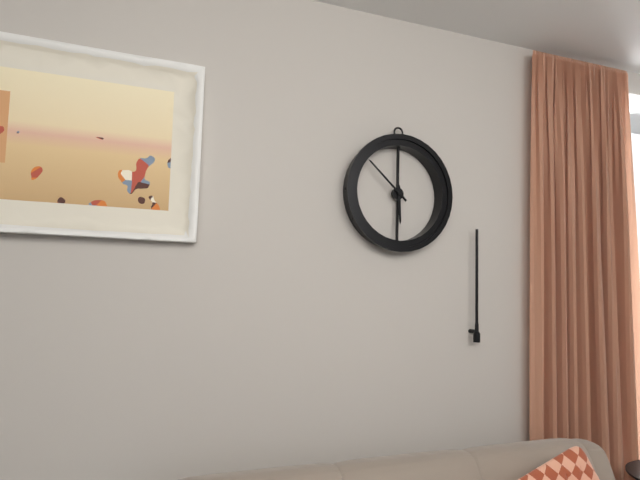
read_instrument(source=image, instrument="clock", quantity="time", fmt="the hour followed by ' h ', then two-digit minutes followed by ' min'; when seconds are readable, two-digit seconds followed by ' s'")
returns 5 h 52 min
